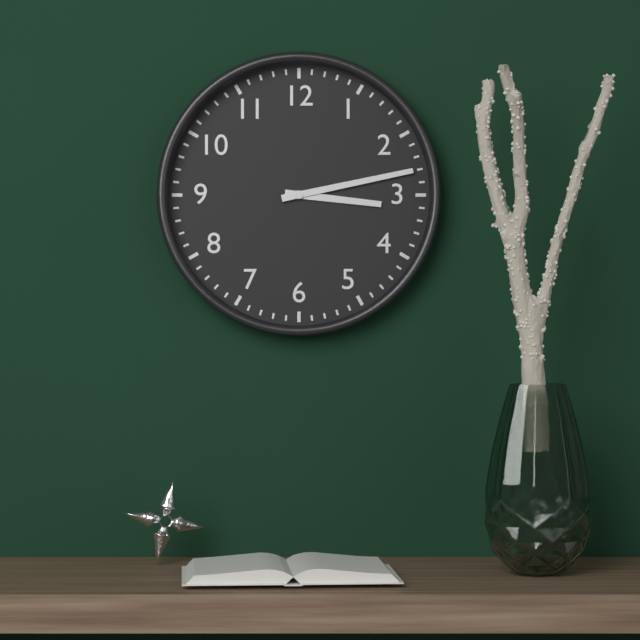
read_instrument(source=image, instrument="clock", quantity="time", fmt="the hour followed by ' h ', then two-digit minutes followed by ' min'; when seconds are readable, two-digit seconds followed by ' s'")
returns 3 h 13 min
